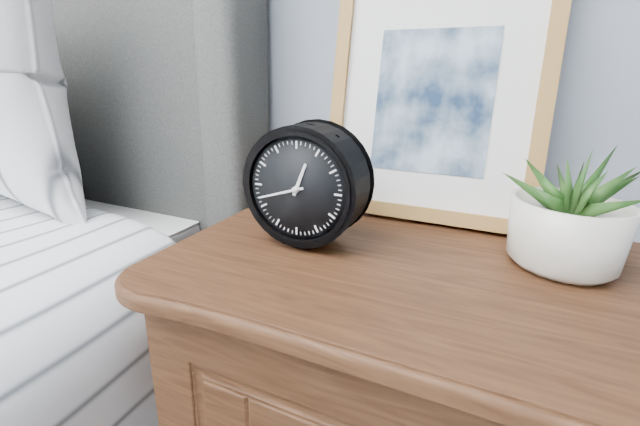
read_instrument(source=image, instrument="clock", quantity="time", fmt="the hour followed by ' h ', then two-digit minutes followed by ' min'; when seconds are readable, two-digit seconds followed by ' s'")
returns 12 h 42 min
